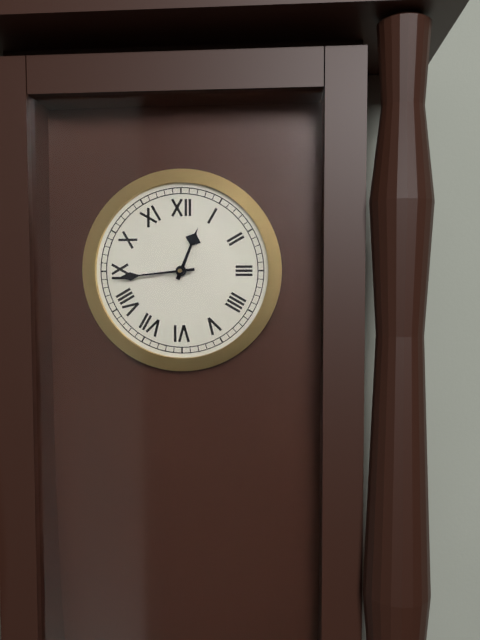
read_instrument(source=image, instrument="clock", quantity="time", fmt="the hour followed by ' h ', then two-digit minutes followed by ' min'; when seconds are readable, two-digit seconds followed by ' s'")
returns 12 h 44 min
